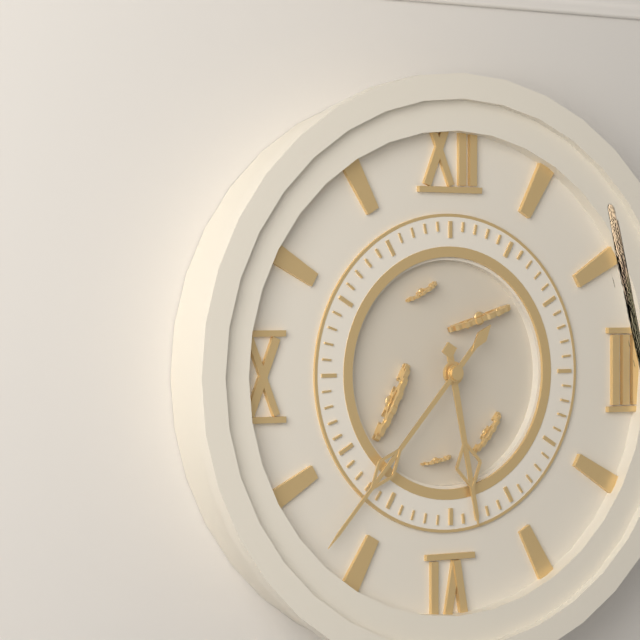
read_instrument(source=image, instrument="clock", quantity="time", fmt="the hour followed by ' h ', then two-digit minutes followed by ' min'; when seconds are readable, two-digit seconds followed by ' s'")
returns 5 h 37 min
